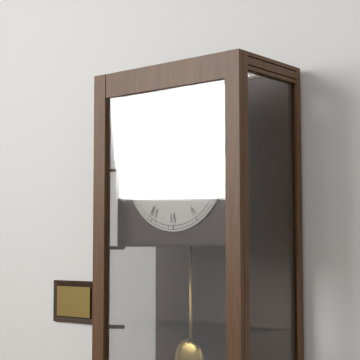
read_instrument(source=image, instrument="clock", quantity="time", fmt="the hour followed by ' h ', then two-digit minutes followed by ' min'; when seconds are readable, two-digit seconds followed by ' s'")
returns 1 h 13 min
